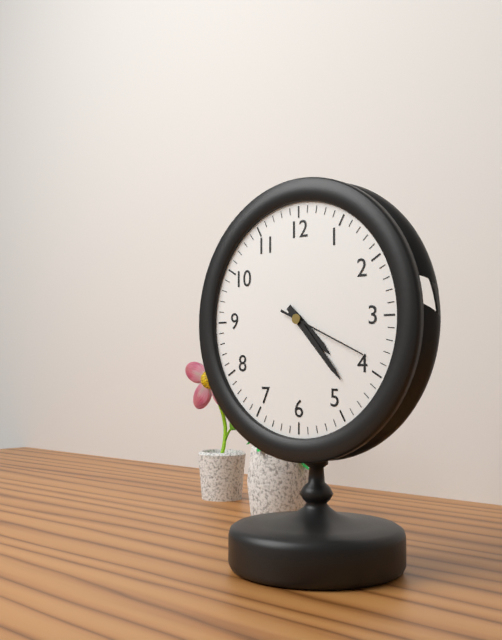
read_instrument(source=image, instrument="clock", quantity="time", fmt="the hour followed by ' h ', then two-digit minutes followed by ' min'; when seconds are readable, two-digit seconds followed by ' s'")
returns 4 h 23 min 19 s
